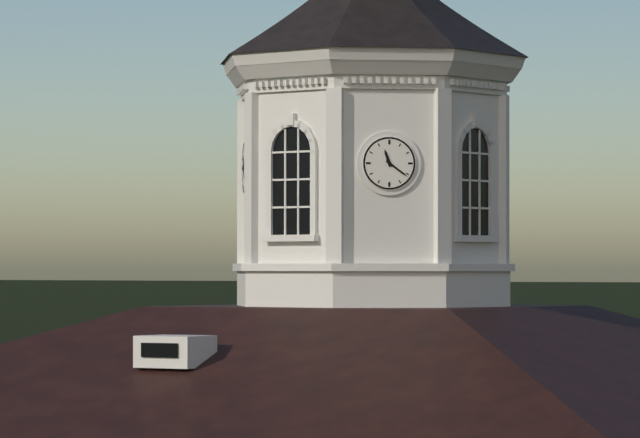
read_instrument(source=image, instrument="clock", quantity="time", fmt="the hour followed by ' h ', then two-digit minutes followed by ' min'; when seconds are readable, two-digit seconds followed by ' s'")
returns 11 h 21 min
